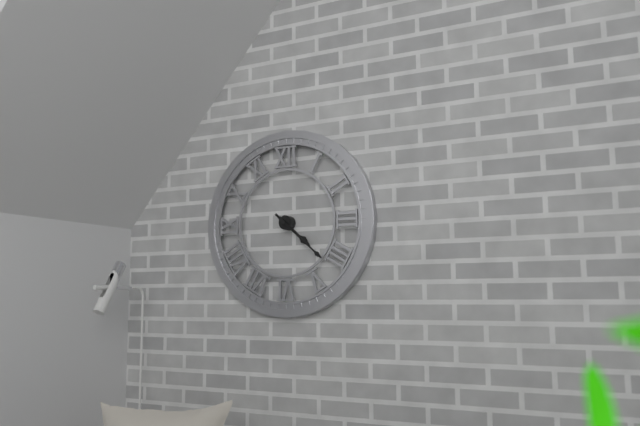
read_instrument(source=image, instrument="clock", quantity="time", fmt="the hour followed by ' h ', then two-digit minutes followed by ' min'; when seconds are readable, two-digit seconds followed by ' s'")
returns 4 h 22 min
